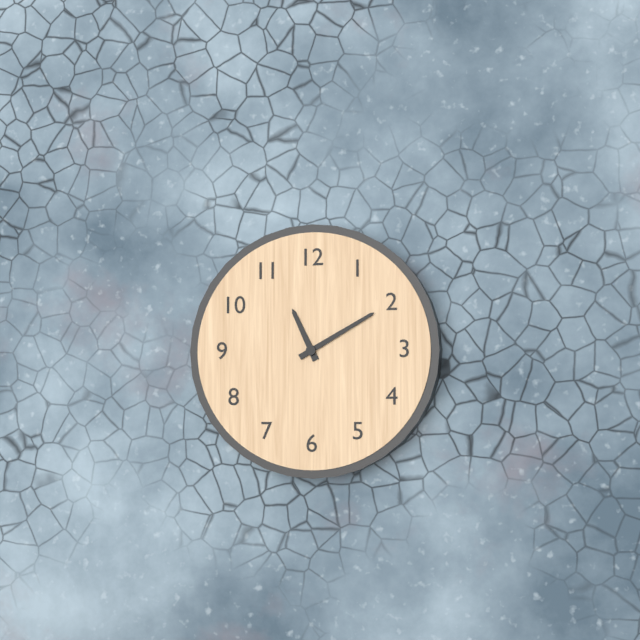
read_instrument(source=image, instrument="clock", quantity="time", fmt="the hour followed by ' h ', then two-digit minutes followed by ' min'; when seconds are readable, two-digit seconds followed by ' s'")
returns 11 h 10 min
